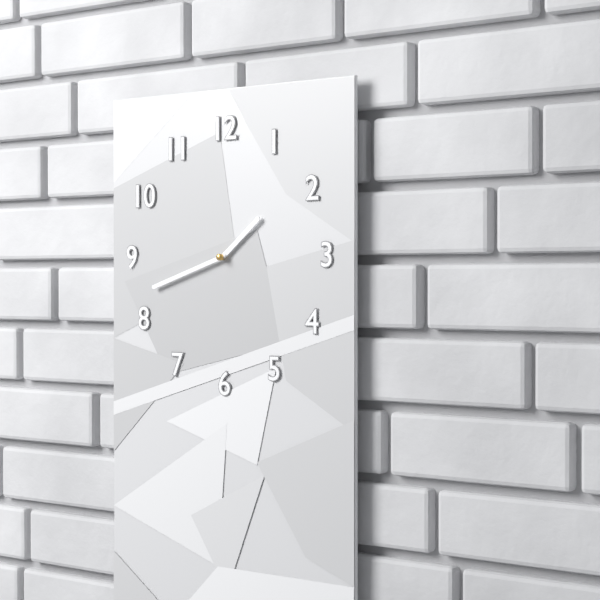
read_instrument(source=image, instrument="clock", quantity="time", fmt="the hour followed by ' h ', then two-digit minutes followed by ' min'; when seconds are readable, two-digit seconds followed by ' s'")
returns 1 h 42 min
